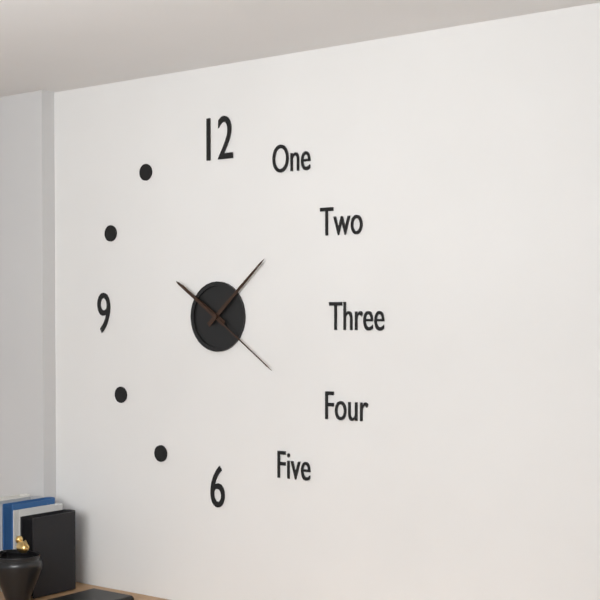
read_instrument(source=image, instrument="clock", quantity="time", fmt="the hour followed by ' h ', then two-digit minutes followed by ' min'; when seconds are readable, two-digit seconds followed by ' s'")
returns 10 h 08 min 21 s
